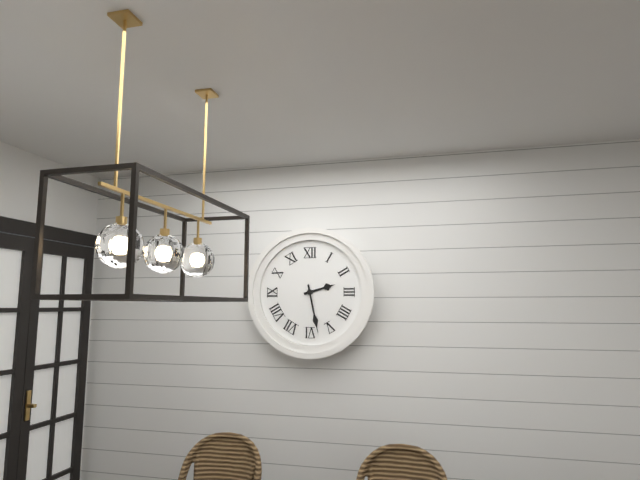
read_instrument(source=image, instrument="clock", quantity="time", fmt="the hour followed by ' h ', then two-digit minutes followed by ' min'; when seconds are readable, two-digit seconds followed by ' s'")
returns 2 h 28 min
